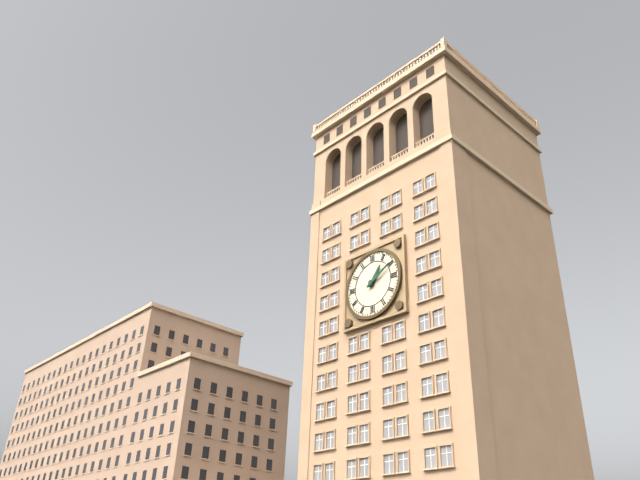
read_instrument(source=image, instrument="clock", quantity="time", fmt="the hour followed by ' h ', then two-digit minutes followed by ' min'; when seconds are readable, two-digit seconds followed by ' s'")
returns 1 h 10 min
